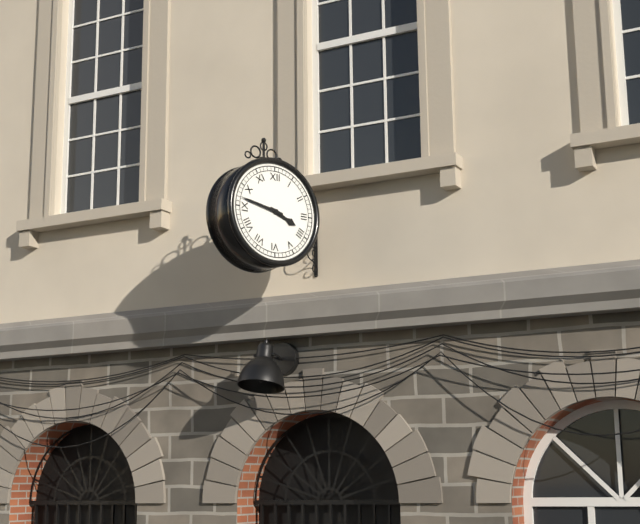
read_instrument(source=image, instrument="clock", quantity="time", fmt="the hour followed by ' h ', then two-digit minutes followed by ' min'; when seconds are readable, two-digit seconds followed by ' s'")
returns 3 h 47 min
